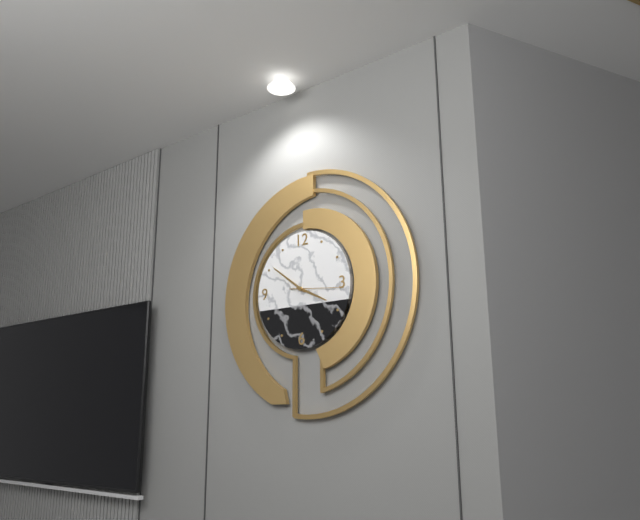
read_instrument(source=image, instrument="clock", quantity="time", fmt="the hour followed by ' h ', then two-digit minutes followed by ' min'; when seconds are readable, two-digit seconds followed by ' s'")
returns 3 h 51 min 16 s
